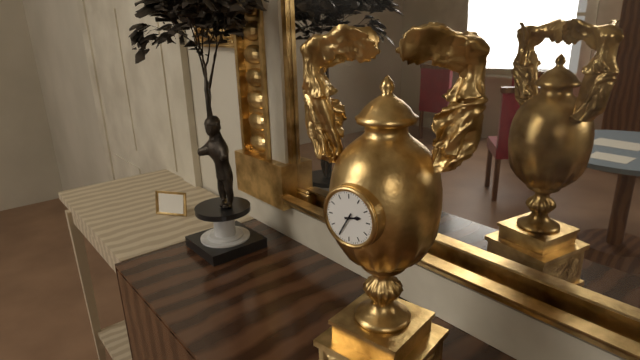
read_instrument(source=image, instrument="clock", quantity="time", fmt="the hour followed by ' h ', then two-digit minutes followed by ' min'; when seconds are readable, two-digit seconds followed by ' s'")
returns 2 h 35 min
